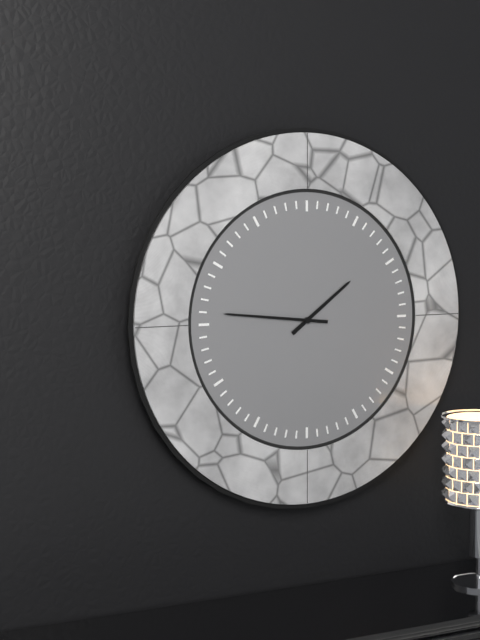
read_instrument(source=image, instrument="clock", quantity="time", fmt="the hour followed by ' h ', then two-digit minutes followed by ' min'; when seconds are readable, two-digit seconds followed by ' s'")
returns 1 h 46 min
